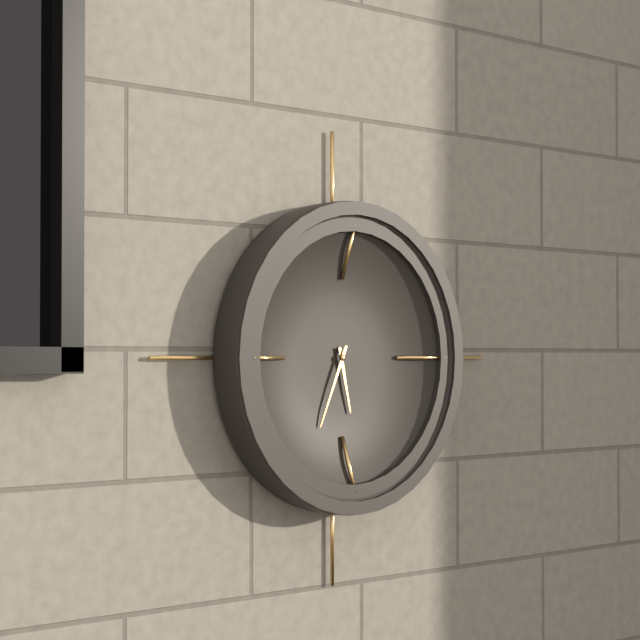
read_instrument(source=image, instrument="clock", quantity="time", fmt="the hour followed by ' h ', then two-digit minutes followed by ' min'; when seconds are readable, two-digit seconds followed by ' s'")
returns 5 h 34 min
